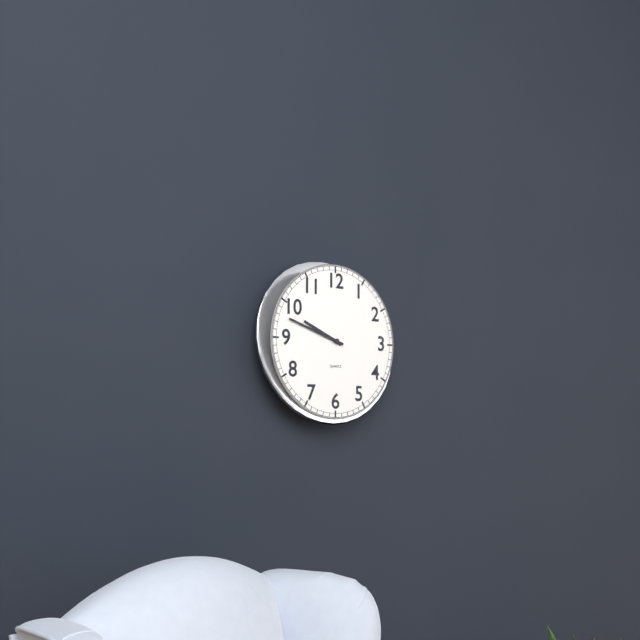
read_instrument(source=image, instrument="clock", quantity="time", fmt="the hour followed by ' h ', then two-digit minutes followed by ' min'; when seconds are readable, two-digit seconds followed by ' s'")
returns 9 h 48 min
